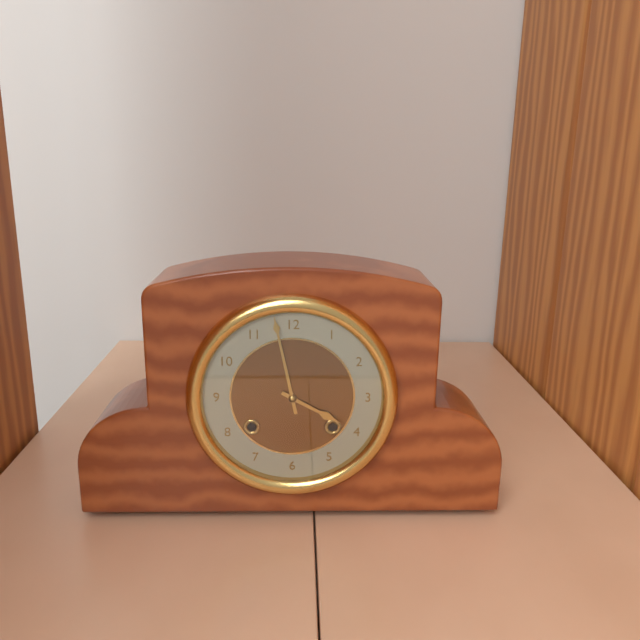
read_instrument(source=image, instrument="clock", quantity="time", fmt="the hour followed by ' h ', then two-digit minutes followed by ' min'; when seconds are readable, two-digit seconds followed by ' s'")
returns 3 h 58 min
